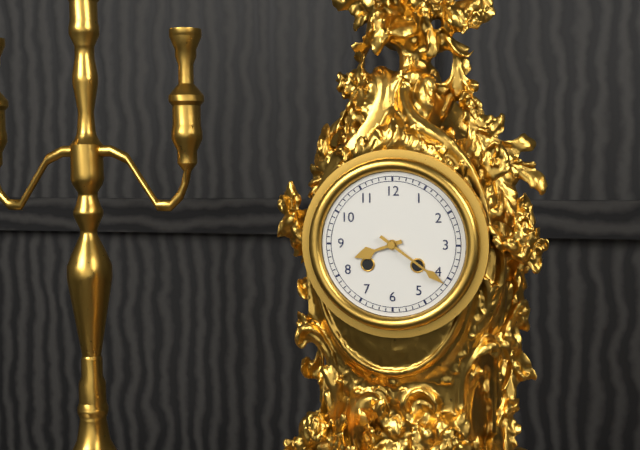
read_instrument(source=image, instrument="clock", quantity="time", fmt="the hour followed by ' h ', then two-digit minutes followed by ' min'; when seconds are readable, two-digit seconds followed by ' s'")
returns 8 h 21 min
